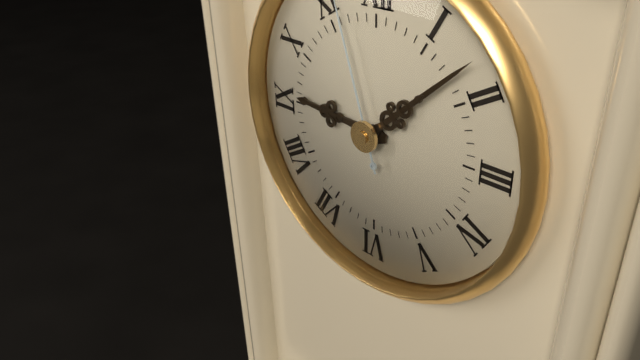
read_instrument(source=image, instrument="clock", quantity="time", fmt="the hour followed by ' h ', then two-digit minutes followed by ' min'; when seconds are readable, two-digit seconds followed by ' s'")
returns 9 h 08 min
